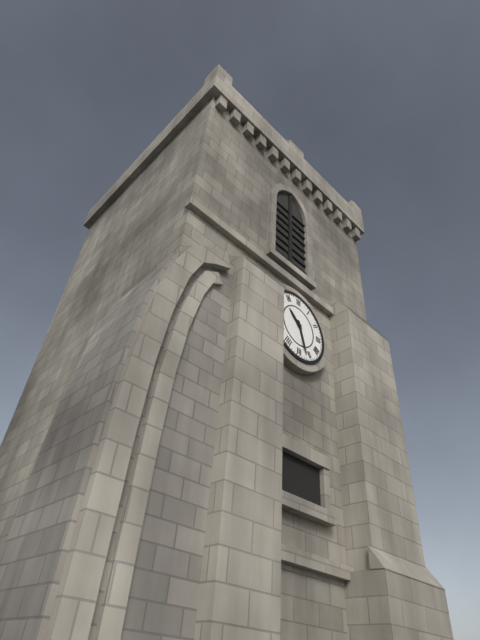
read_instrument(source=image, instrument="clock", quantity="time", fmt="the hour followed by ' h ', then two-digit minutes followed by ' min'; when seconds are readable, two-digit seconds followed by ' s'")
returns 10 h 27 min
